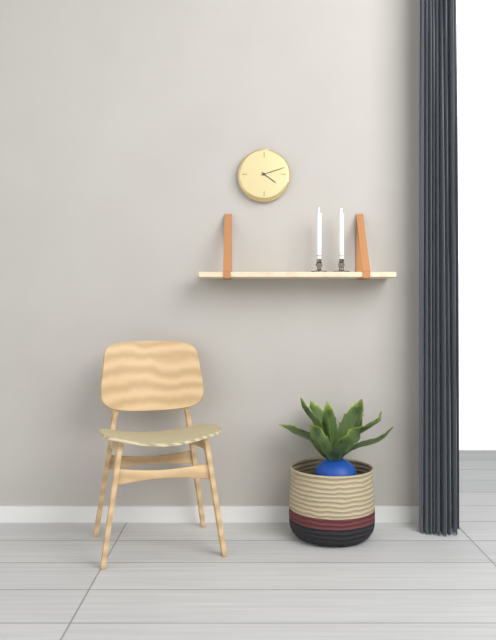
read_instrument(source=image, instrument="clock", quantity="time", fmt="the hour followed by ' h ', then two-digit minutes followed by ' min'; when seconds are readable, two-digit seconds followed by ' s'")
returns 4 h 12 min
